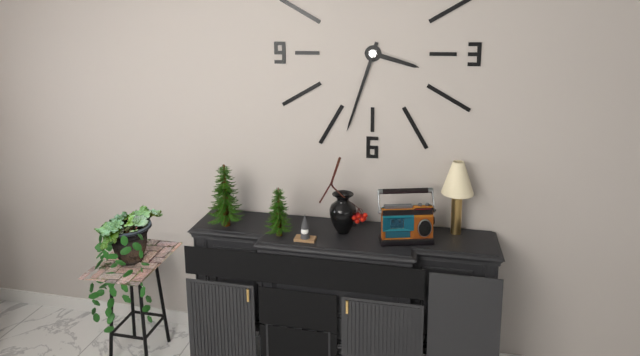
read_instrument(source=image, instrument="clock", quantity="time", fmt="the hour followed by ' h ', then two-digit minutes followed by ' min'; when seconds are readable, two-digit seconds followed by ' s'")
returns 3 h 33 min
